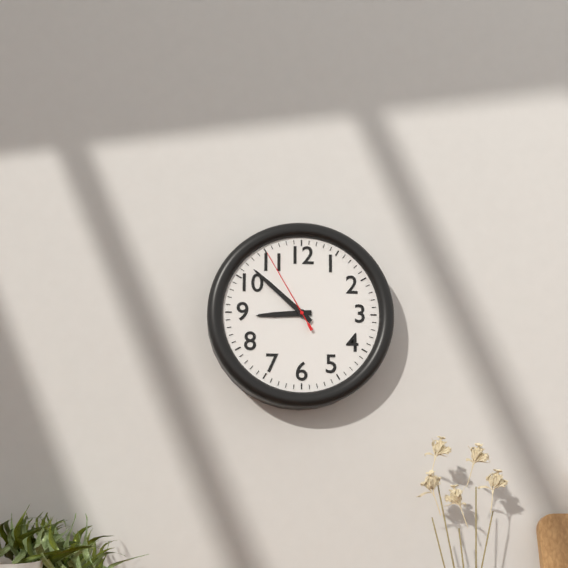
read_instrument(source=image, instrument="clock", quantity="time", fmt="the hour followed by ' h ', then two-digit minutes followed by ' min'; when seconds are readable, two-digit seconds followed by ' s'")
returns 8 h 52 min 55 s
